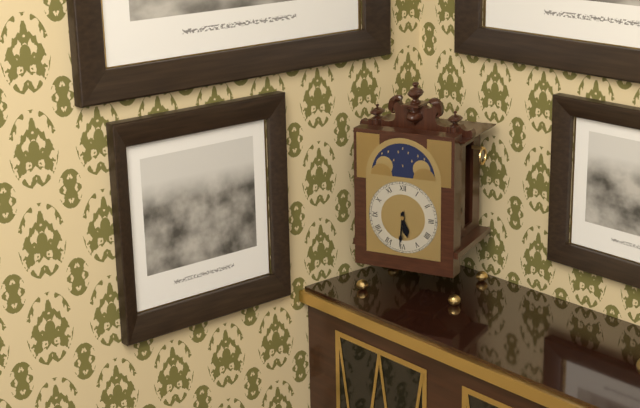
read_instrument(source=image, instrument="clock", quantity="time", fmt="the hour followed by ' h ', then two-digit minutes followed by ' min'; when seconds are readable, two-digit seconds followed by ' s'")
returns 5 h 31 min
